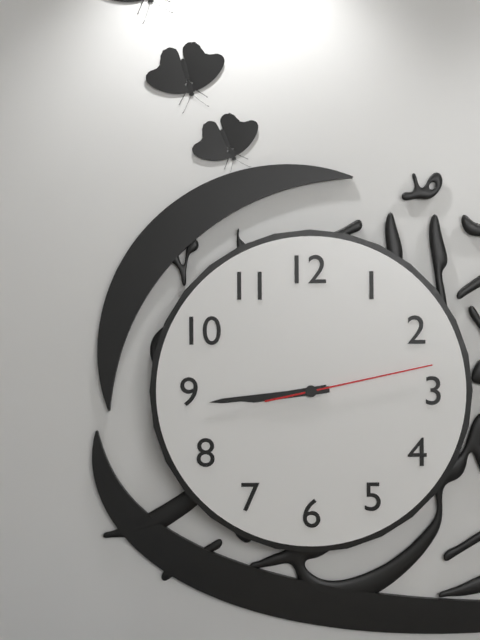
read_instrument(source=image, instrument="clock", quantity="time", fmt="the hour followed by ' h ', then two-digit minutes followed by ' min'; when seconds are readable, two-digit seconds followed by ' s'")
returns 8 h 44 min 13 s
